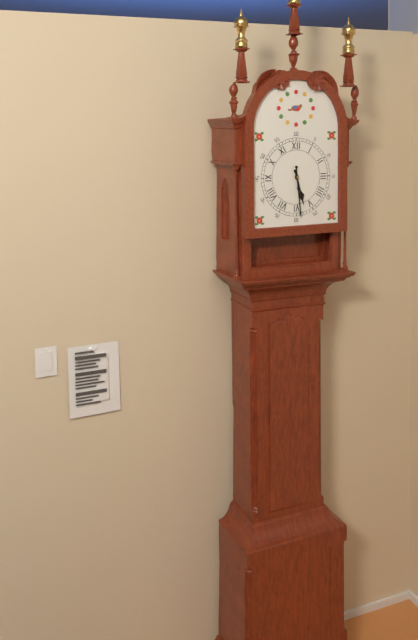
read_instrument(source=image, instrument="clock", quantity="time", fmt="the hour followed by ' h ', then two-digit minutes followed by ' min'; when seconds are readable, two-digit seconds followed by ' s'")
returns 5 h 29 min
